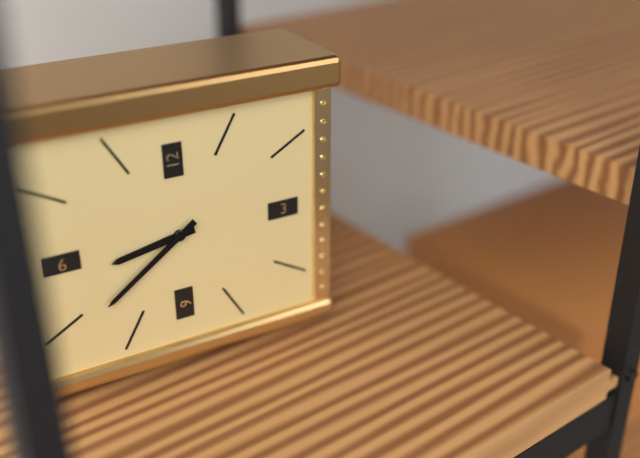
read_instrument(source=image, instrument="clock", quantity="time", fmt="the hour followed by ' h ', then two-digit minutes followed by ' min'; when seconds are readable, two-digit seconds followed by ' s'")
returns 8 h 39 min
